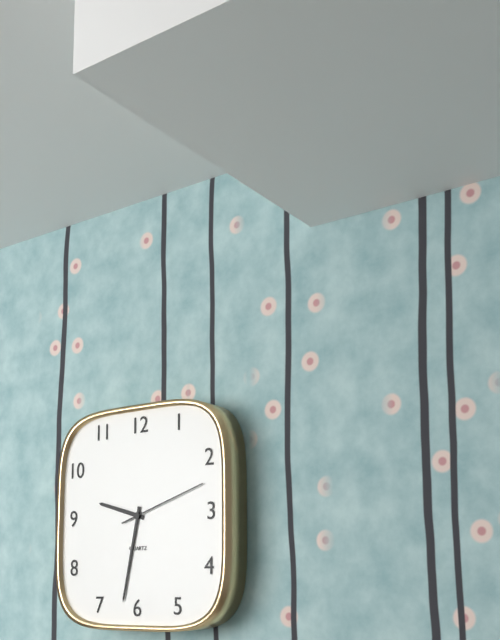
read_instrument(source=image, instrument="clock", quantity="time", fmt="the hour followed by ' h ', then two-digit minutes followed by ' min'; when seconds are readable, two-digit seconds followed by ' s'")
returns 9 h 32 min 12 s
